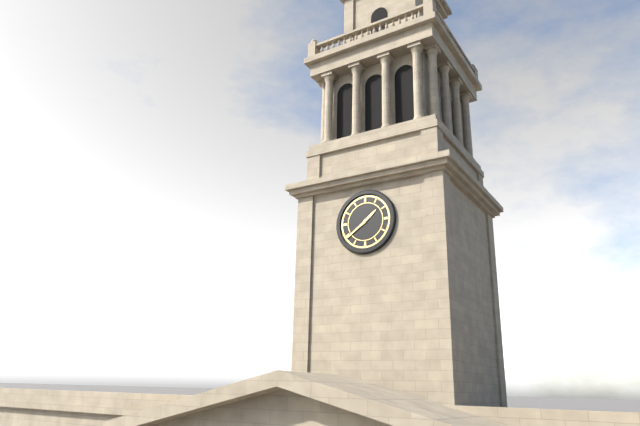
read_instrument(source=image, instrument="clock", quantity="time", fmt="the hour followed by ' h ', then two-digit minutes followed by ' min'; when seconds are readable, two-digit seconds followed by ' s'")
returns 1 h 39 min
